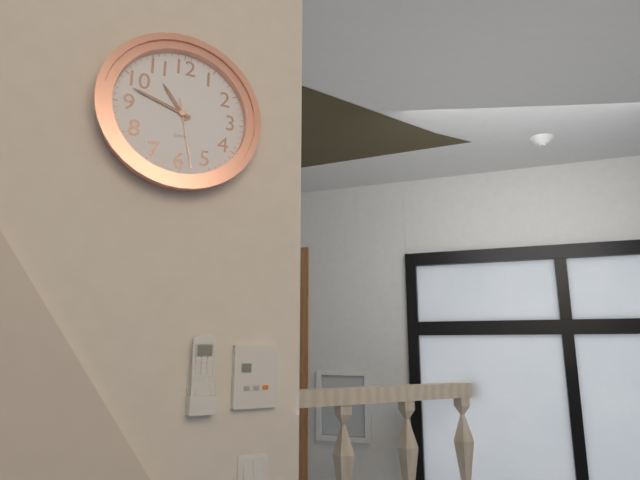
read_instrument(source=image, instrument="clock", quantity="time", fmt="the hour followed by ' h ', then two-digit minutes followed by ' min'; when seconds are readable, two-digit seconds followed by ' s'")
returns 10 h 48 min 28 s
